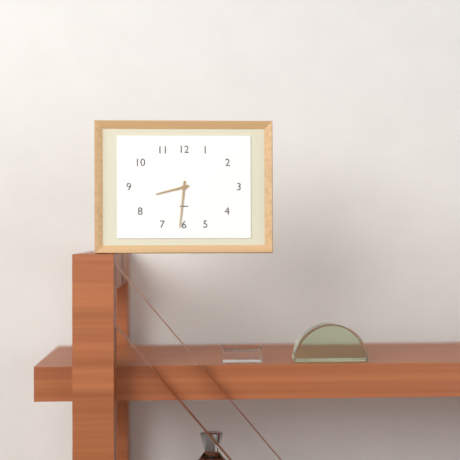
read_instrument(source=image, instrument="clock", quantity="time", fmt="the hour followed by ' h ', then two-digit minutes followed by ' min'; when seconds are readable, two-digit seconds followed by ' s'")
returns 8 h 31 min
